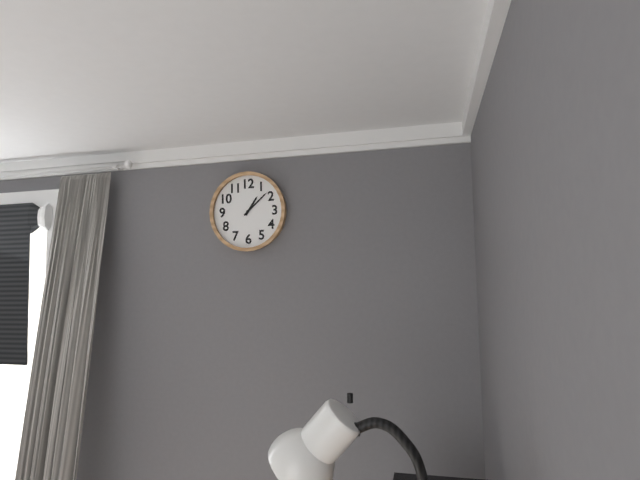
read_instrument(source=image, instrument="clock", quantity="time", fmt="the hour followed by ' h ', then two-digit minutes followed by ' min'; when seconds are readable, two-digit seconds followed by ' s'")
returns 1 h 08 min
